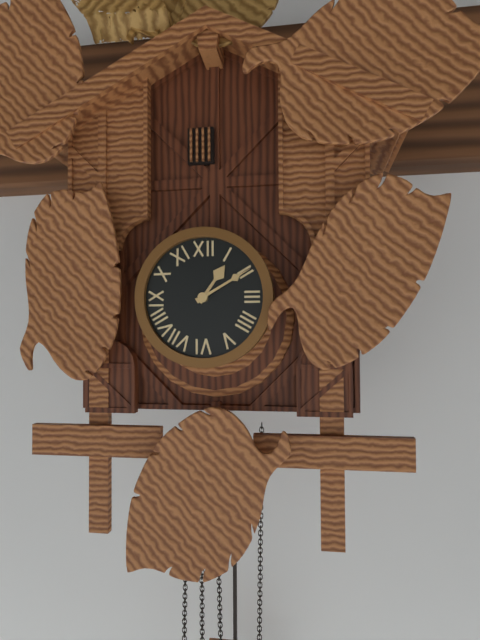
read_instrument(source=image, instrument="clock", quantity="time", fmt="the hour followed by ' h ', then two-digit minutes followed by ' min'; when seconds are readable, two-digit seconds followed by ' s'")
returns 1 h 10 min
